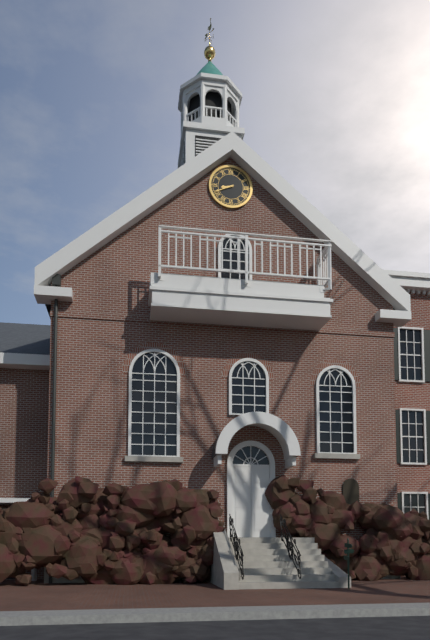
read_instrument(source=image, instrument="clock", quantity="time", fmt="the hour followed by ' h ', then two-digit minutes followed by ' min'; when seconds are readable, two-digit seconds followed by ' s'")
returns 8 h 41 min
